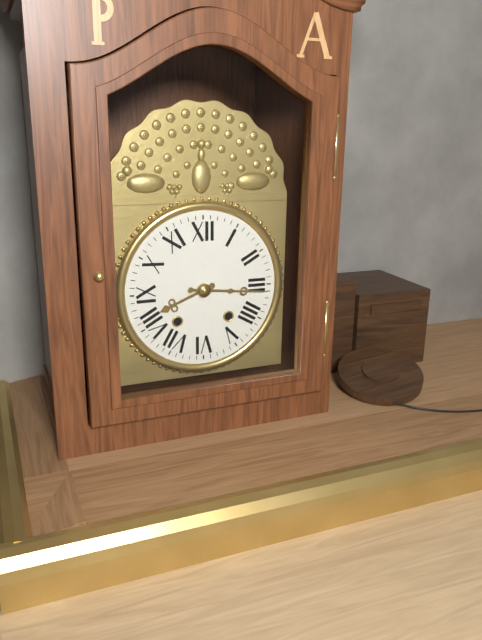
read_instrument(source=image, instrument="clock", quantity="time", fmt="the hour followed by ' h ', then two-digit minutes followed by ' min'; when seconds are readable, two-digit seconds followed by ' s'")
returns 8 h 16 min
